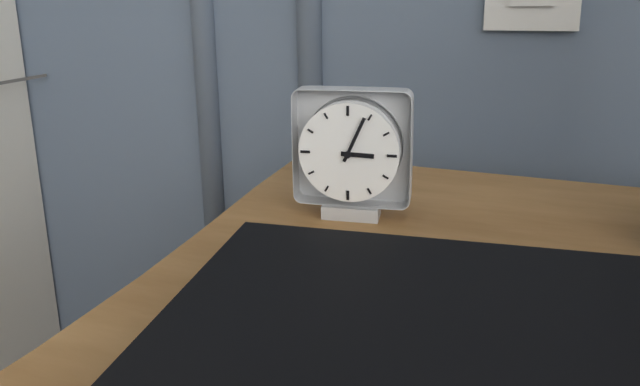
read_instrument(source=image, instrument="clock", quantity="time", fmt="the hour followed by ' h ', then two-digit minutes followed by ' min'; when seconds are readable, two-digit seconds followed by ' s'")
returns 3 h 04 min
